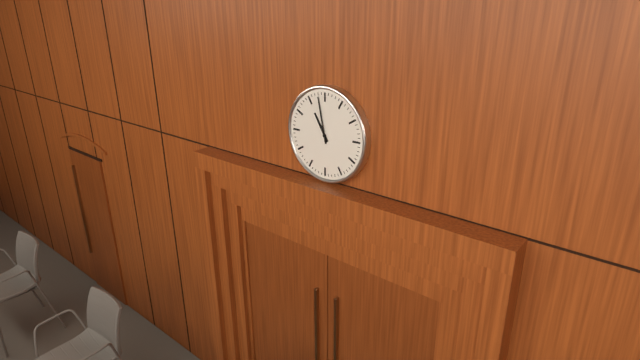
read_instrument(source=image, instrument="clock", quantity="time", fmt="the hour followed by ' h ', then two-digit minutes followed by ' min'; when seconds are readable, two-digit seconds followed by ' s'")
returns 10 h 58 min
